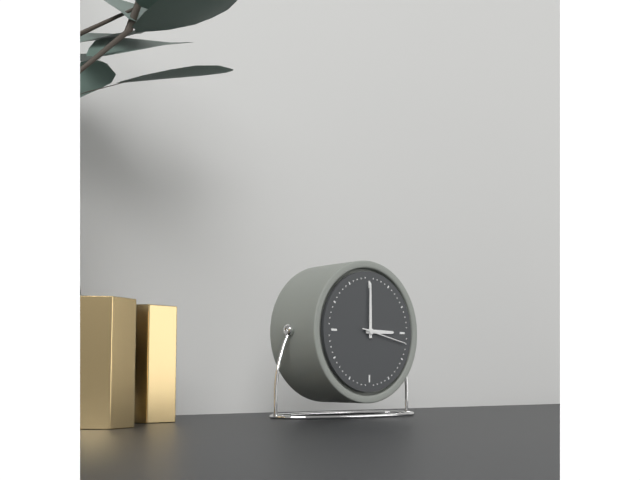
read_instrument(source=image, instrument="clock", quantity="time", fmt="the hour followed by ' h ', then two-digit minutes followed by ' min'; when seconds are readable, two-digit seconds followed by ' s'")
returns 3 h 00 min
